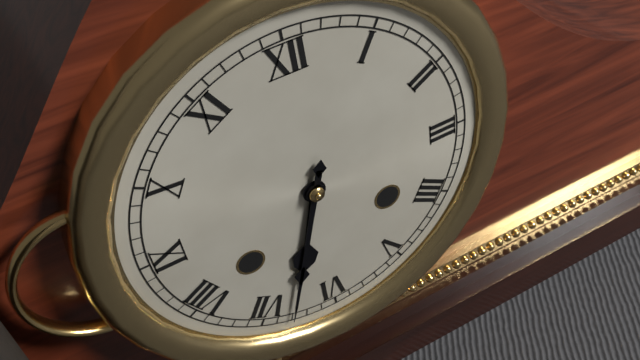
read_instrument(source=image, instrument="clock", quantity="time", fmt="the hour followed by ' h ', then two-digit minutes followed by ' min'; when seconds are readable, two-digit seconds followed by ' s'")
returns 6 h 33 min
